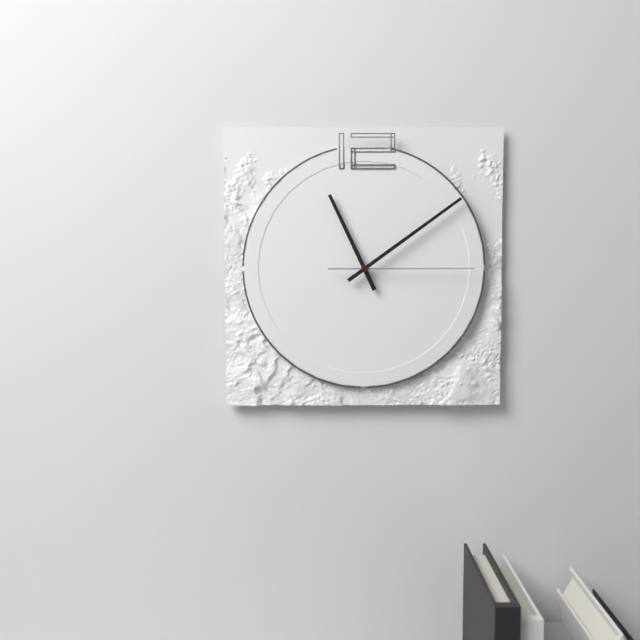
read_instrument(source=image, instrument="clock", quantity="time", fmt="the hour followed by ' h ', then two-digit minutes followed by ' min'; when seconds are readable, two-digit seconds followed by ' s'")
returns 11 h 09 min 15 s
